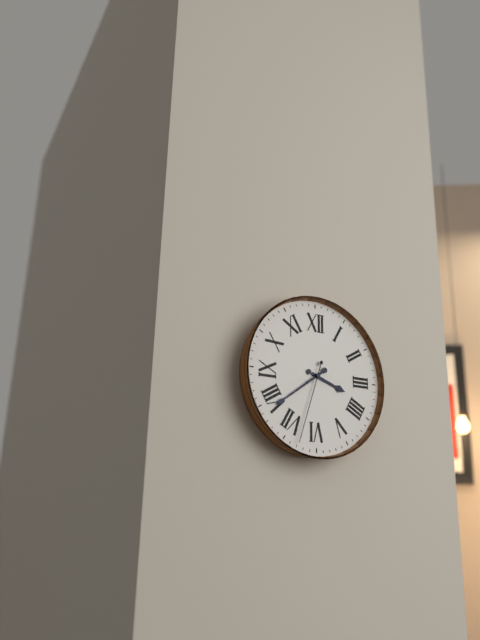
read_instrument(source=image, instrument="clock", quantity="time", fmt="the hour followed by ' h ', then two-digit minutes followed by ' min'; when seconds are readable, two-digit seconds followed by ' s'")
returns 3 h 39 min 33 s
